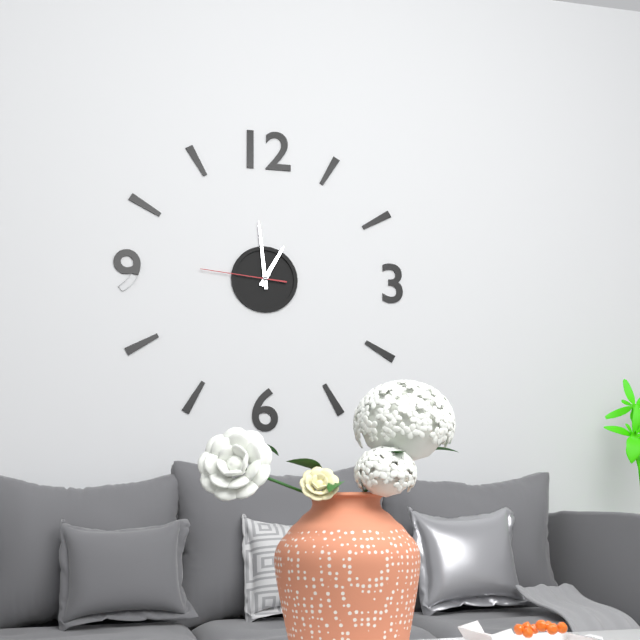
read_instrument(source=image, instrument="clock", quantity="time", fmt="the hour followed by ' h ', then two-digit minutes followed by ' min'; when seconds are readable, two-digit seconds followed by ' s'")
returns 12 h 59 min 46 s
